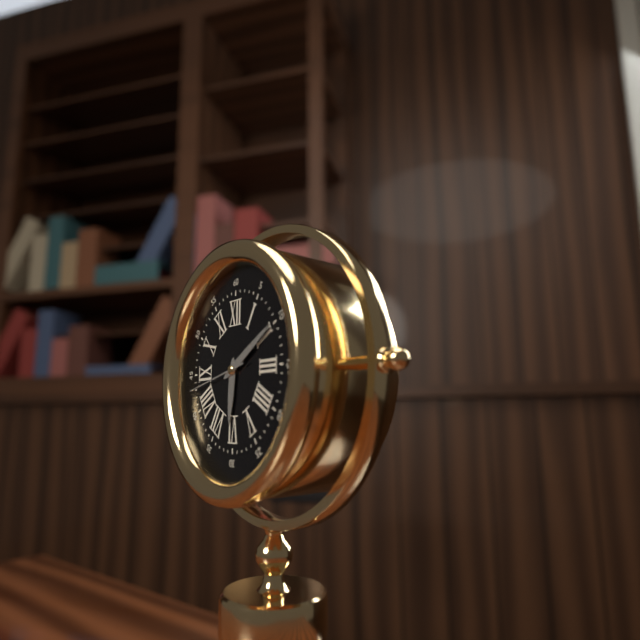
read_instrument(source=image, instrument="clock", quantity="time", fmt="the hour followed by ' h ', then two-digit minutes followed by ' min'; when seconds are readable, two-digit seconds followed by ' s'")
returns 6 h 10 min 43 s
